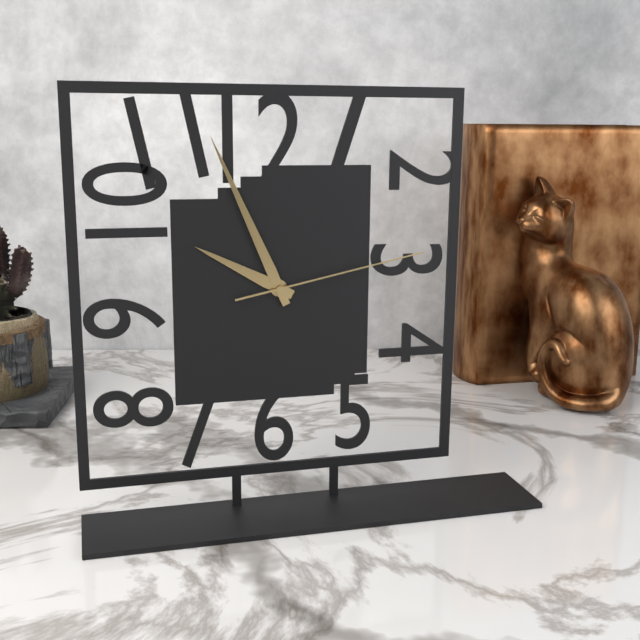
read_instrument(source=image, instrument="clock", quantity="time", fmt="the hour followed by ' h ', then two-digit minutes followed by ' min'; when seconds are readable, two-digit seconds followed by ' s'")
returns 9 h 56 min 13 s
